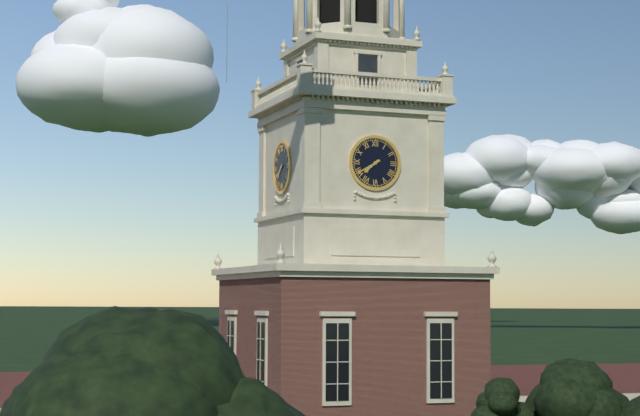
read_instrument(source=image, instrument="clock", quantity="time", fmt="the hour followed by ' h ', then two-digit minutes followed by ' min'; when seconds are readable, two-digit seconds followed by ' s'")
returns 7 h 40 min
